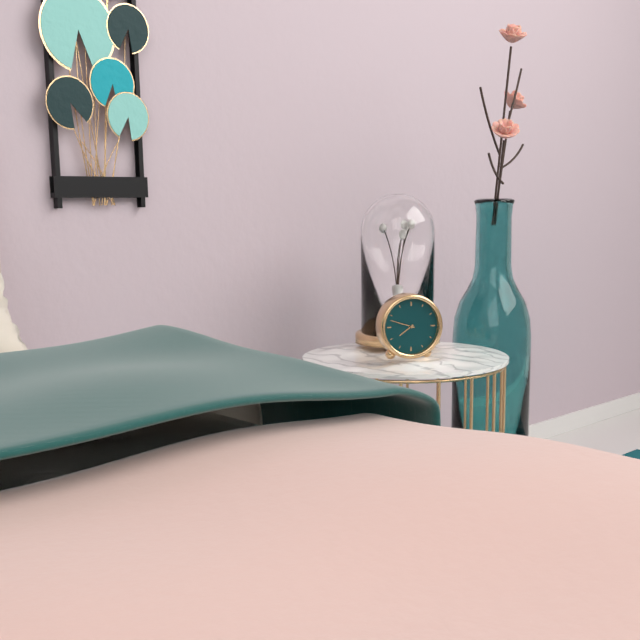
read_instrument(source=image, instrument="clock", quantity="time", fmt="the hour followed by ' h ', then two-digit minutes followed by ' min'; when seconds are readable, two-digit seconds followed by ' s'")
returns 7 h 48 min
